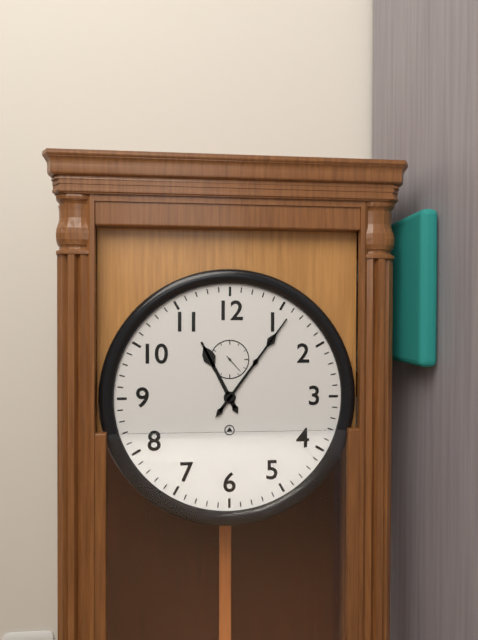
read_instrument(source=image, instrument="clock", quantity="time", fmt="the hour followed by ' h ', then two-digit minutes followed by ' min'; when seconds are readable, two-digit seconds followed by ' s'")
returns 11 h 06 min
